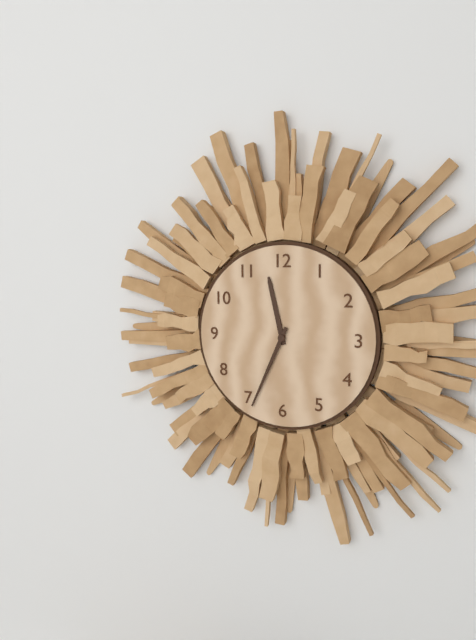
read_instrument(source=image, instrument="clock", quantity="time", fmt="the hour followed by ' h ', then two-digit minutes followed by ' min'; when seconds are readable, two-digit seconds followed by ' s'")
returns 11 h 34 min
